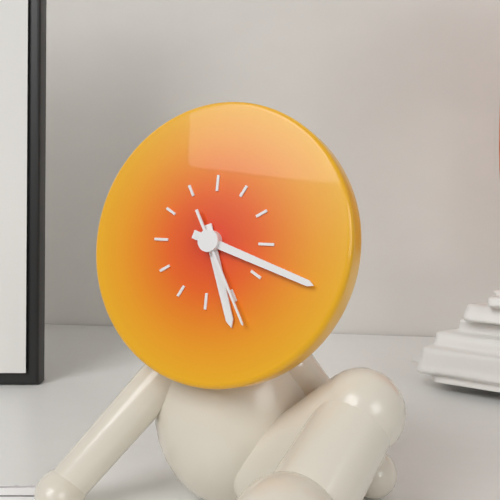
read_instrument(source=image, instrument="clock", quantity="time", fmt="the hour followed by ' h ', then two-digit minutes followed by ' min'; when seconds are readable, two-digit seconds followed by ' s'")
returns 5 h 18 min 25 s
